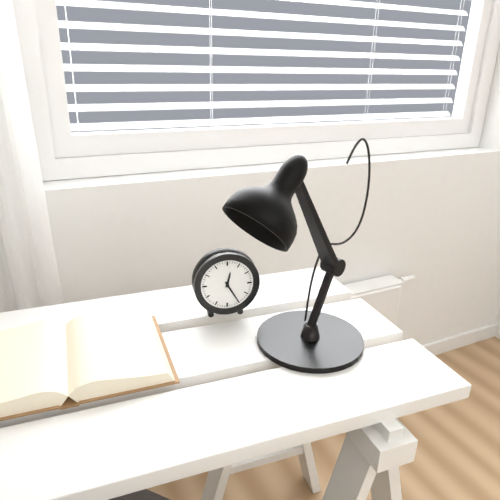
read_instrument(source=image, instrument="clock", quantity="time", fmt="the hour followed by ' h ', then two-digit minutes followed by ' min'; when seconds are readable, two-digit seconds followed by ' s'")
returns 12 h 25 min
